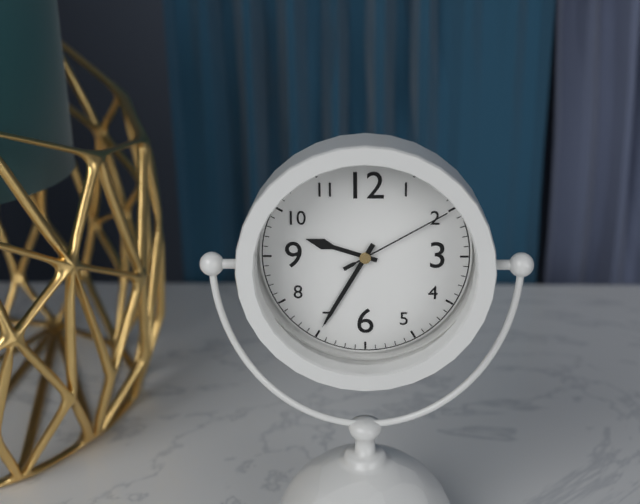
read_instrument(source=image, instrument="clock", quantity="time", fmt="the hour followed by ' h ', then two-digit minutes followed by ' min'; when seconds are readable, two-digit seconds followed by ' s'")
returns 9 h 35 min 10 s
